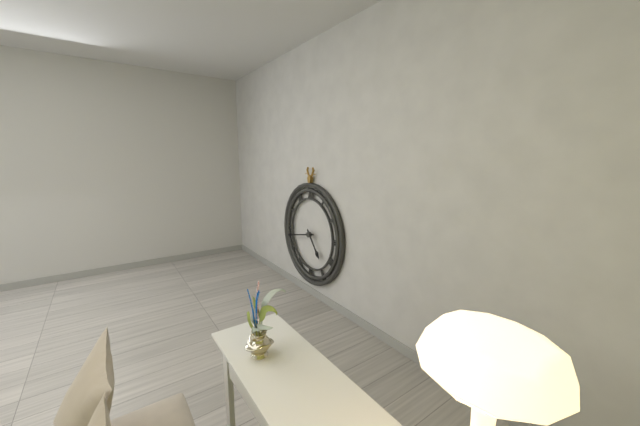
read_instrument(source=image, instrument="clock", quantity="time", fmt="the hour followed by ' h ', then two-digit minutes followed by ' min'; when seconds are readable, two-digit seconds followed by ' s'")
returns 4 h 43 min
